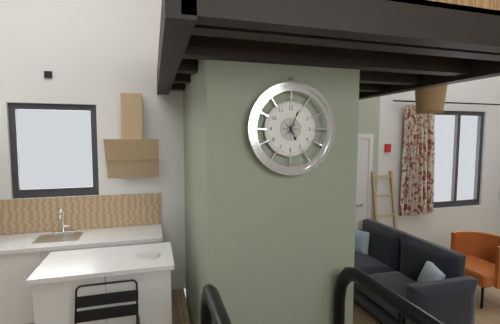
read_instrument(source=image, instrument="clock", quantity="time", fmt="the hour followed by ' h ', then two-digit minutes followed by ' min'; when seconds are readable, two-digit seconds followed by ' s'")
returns 5 h 04 min
